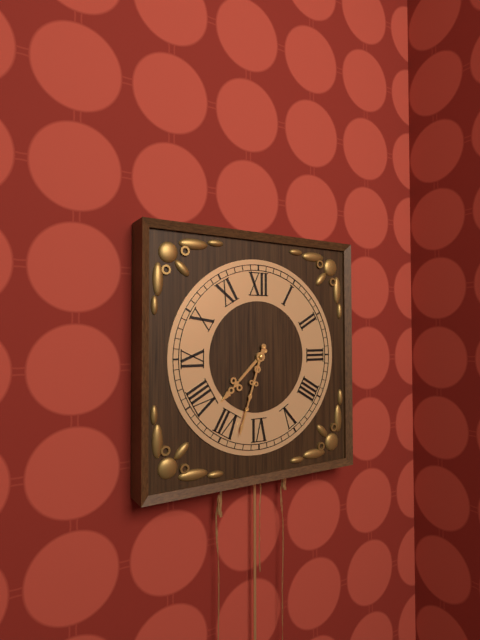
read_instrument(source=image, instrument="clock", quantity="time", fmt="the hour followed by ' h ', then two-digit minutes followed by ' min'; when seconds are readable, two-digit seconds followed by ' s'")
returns 7 h 33 min
